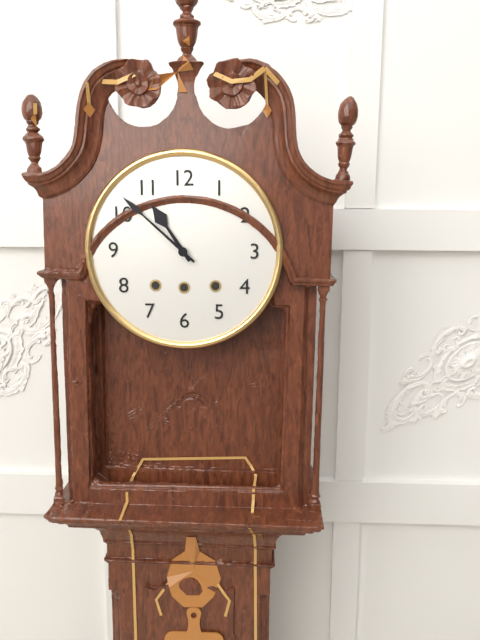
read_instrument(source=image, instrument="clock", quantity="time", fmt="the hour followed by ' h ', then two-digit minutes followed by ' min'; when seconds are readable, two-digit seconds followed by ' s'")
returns 10 h 52 min
